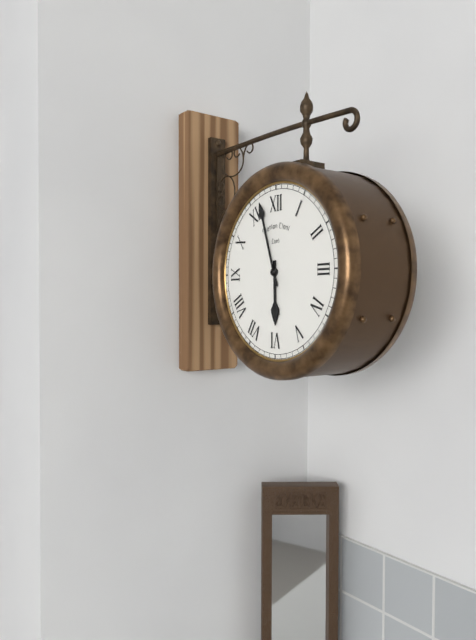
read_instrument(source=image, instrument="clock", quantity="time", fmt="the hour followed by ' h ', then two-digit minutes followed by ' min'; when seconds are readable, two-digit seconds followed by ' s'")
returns 5 h 57 min
